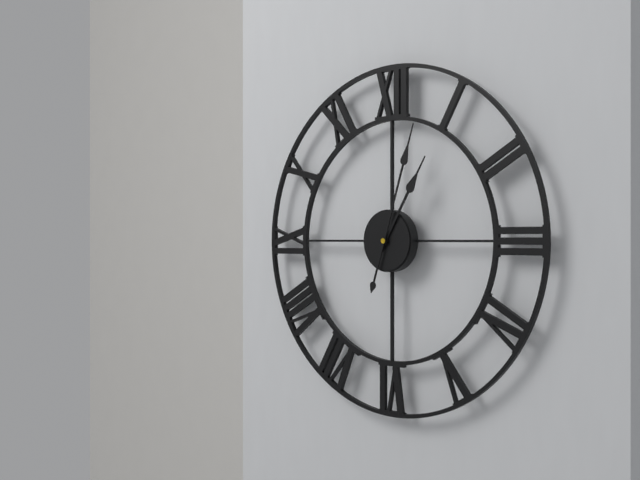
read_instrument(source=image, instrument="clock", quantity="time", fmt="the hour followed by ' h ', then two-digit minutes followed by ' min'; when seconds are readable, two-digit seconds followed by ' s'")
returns 1 h 03 min
